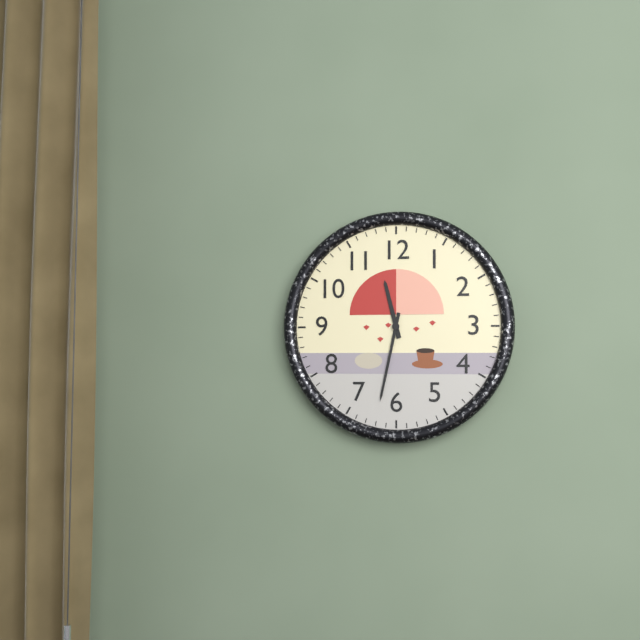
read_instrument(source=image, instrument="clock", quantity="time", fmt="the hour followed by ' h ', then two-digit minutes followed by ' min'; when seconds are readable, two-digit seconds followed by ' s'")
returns 11 h 32 min
